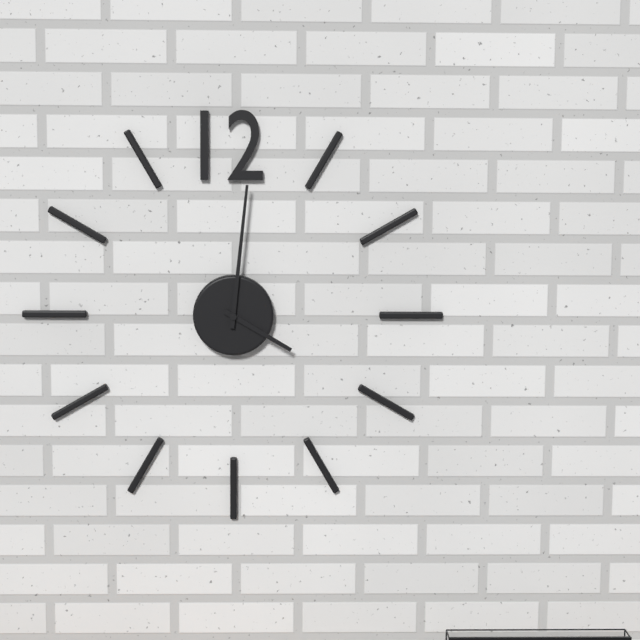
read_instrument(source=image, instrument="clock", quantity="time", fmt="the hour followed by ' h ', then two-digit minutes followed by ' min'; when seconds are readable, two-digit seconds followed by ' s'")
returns 4 h 01 min
